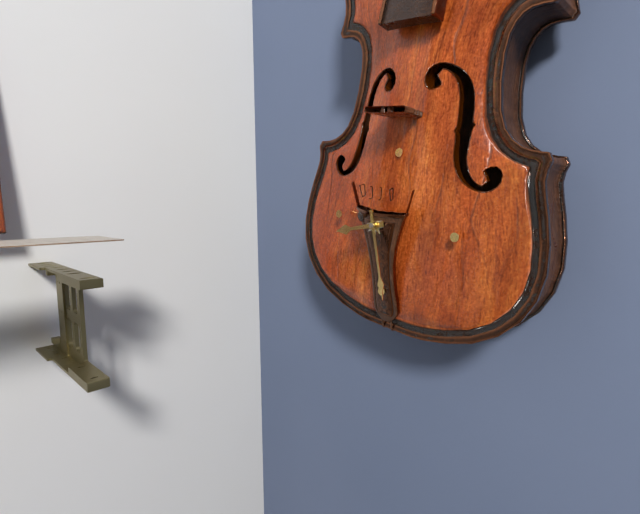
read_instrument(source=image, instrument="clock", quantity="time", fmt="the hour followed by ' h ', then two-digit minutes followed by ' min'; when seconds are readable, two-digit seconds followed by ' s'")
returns 8 h 27 min
